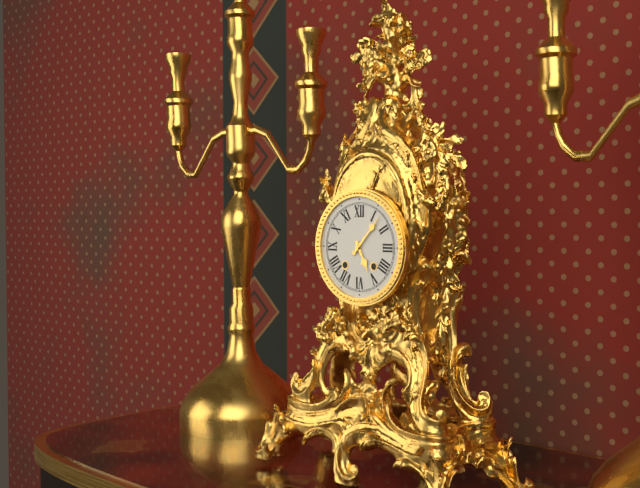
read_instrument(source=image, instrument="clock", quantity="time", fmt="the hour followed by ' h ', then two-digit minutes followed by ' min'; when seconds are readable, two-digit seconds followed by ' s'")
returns 5 h 07 min
